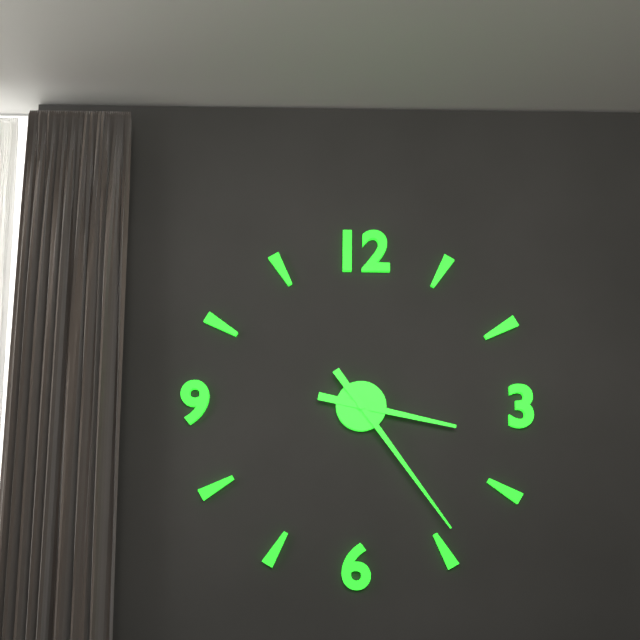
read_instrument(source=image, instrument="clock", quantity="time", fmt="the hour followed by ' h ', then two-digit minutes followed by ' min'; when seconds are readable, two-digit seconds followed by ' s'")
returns 3 h 24 min
